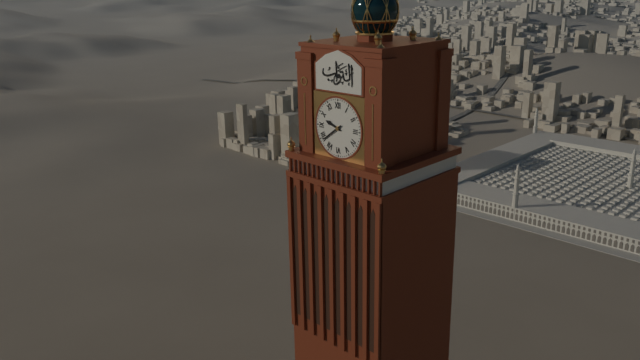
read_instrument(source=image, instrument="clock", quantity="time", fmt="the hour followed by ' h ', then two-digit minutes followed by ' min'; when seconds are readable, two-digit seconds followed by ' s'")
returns 9 h 39 min
